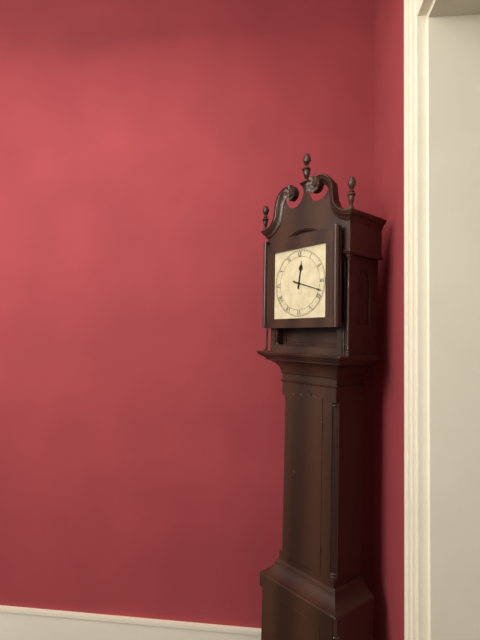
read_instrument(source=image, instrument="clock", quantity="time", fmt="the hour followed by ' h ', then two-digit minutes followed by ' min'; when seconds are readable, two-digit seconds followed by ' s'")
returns 12 h 18 min
